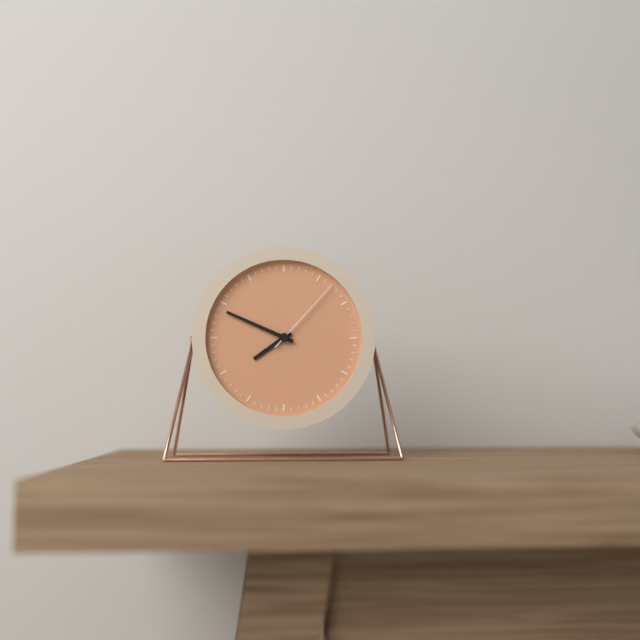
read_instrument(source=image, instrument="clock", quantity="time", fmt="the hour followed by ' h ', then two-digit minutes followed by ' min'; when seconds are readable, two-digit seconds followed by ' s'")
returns 7 h 49 min 07 s
